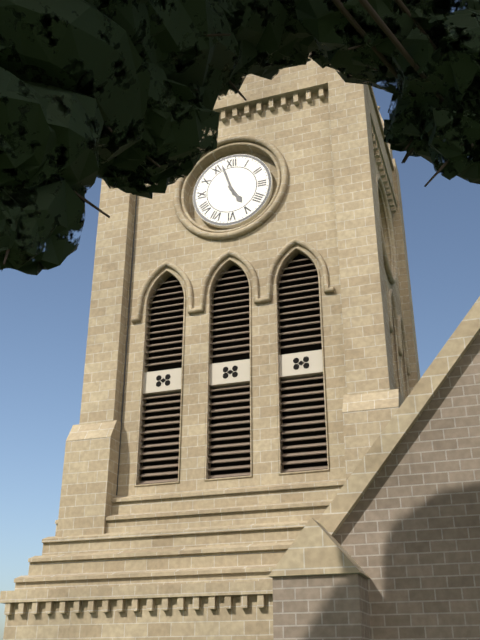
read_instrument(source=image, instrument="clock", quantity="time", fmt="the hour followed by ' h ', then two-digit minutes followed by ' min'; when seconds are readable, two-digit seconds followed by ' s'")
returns 4 h 57 min
